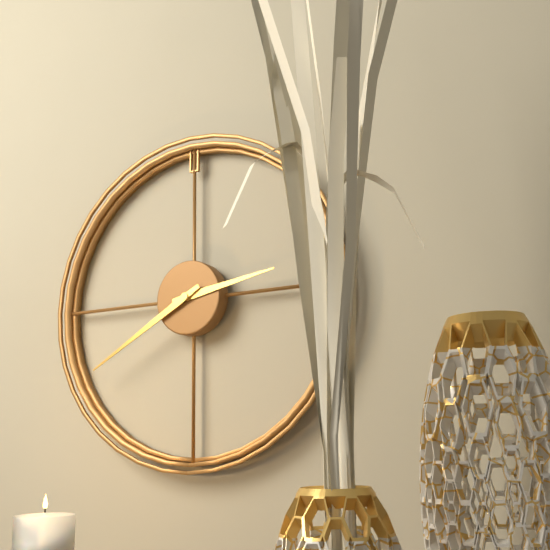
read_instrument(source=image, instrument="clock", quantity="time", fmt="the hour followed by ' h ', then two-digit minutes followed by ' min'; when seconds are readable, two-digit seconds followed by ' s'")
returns 2 h 40 min
